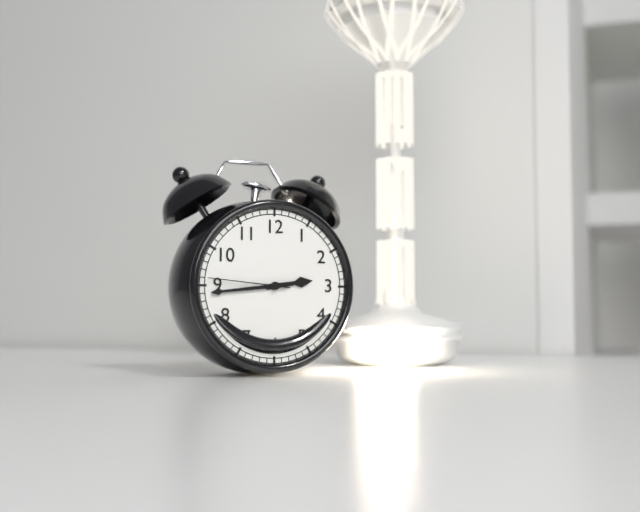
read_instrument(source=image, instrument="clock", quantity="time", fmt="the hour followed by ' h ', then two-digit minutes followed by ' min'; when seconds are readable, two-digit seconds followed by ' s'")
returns 2 h 44 min 46 s
